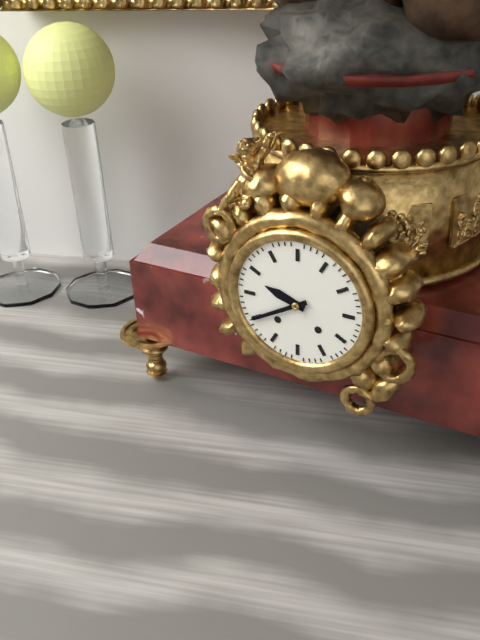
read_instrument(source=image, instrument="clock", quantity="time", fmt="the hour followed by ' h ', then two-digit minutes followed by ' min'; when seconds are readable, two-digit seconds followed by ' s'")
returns 9 h 40 min
